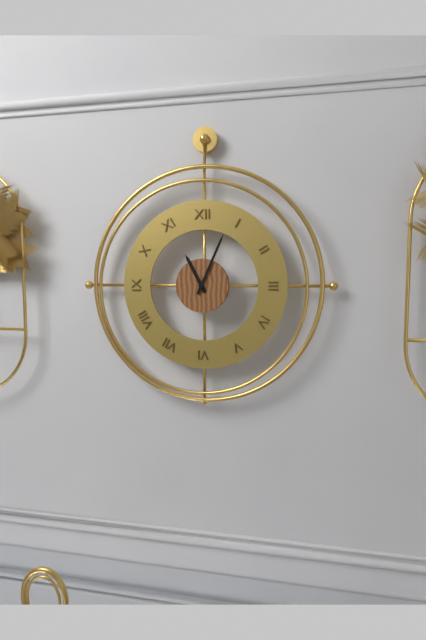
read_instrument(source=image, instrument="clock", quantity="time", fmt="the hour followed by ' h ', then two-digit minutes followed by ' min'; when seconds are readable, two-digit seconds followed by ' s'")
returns 11 h 04 min
